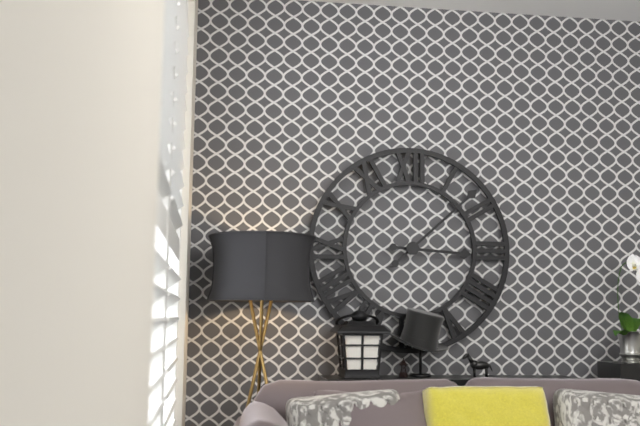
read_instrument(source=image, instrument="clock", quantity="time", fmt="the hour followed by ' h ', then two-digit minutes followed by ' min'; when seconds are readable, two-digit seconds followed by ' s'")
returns 3 h 08 min
